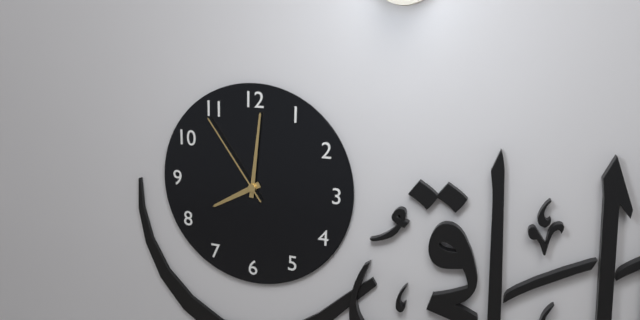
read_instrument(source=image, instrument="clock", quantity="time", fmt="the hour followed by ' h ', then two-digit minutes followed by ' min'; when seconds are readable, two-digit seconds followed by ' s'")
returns 8 h 01 min 54 s
